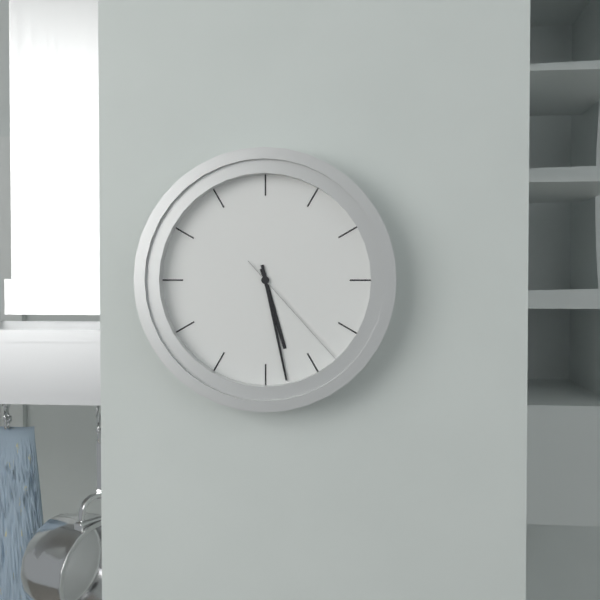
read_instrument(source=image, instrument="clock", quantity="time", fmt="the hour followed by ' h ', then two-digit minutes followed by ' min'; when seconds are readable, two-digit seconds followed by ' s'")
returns 5 h 28 min 23 s
